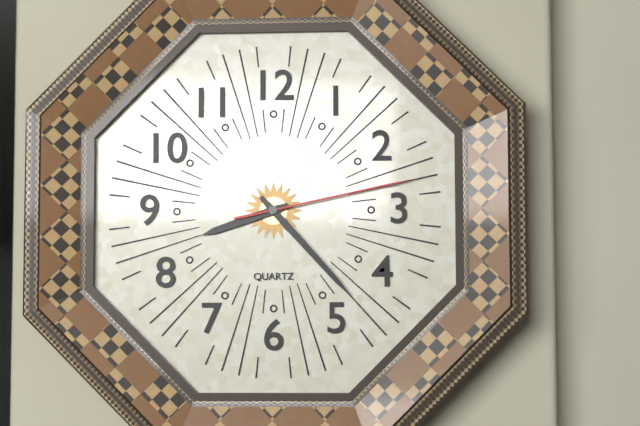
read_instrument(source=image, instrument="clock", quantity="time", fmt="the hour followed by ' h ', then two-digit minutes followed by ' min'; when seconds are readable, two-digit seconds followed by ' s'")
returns 8 h 23 min 13 s
